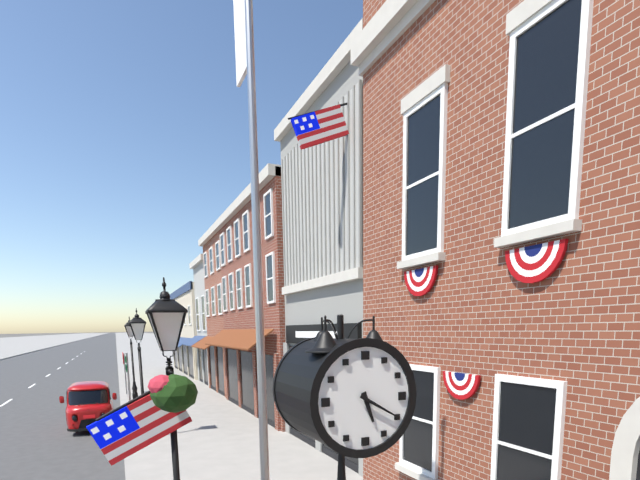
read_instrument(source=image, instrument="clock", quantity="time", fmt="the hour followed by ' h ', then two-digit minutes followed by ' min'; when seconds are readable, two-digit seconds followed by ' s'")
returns 5 h 20 min
